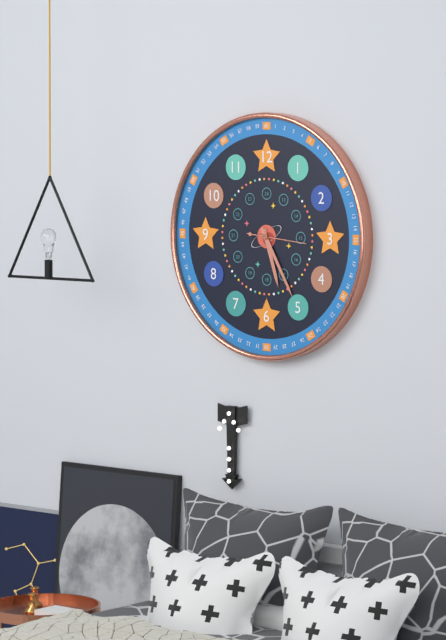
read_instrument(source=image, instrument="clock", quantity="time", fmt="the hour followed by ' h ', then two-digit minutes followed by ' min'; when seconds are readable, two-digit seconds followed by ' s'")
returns 5 h 25 min
